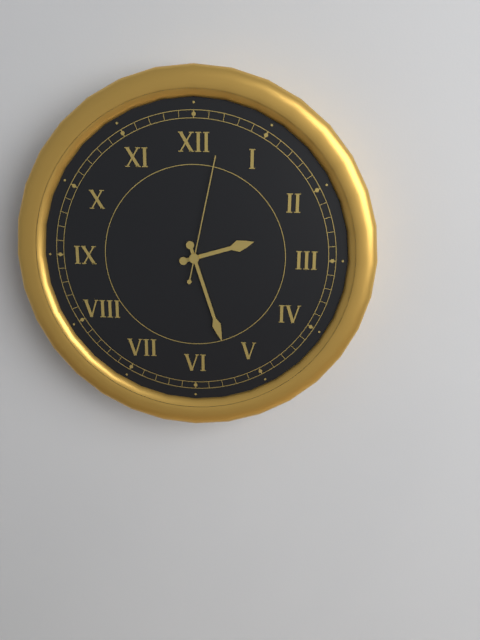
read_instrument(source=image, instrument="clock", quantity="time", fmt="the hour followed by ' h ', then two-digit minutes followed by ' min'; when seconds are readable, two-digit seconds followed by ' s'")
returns 2 h 27 min 02 s
